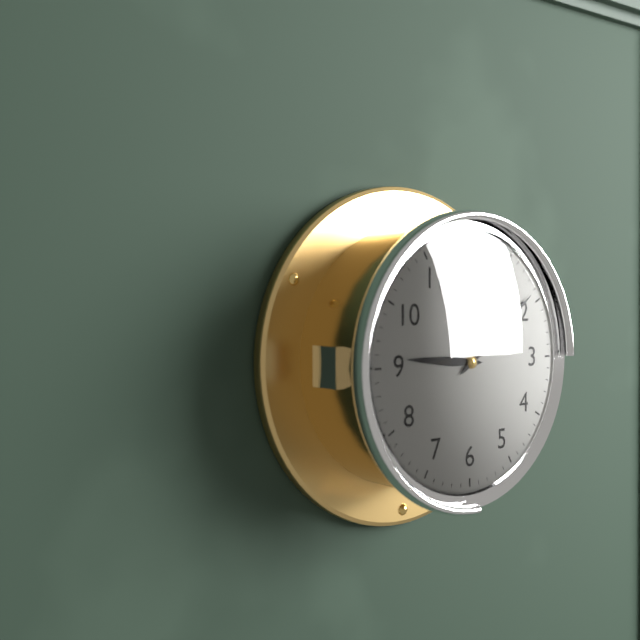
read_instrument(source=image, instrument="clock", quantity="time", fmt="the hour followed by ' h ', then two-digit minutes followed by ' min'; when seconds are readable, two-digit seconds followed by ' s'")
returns 9 h 09 min
